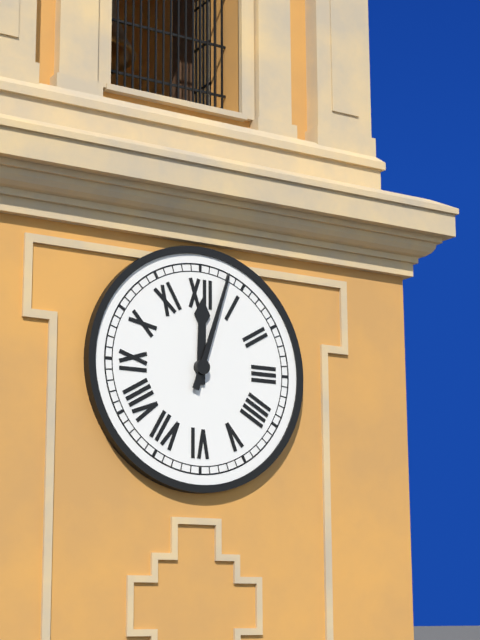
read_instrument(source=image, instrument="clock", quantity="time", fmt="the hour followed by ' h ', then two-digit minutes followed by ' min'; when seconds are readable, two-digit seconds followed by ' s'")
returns 12 h 03 min
